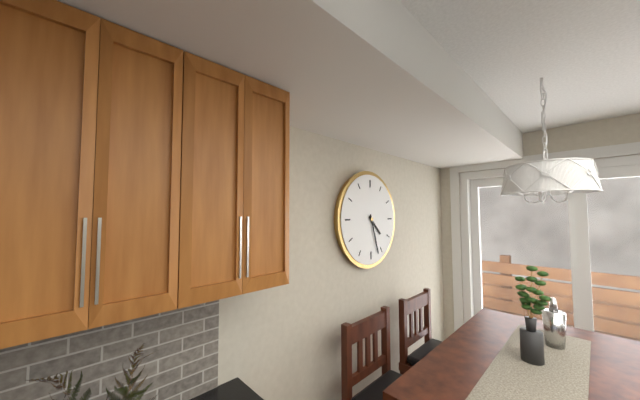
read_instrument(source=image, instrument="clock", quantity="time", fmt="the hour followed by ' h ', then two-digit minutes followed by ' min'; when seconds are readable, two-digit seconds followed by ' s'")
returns 4 h 27 min
